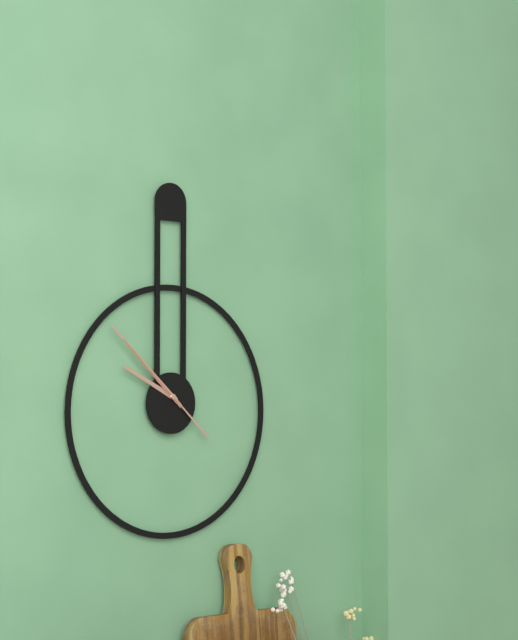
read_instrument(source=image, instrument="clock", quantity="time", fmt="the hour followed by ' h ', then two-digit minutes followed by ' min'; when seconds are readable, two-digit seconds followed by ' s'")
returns 9 h 52 min 52 s
